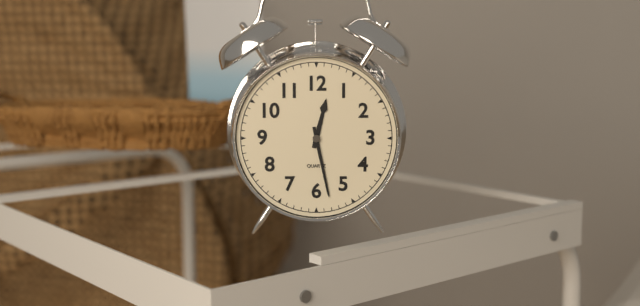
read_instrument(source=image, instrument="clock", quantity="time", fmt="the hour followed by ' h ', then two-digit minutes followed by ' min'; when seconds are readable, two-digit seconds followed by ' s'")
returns 12 h 28 min
